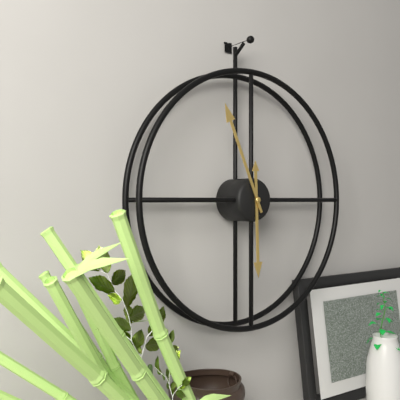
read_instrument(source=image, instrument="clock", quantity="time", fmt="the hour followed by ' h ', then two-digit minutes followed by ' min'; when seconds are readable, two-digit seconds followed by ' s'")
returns 5 h 56 min
